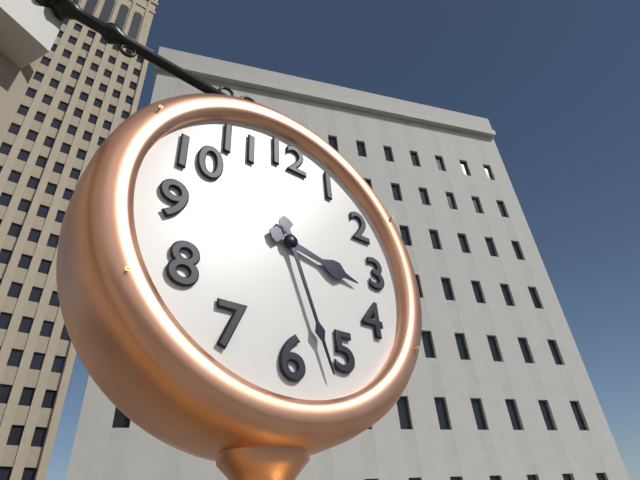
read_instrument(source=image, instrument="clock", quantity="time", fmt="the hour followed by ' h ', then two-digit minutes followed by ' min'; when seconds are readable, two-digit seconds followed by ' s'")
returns 3 h 27 min
